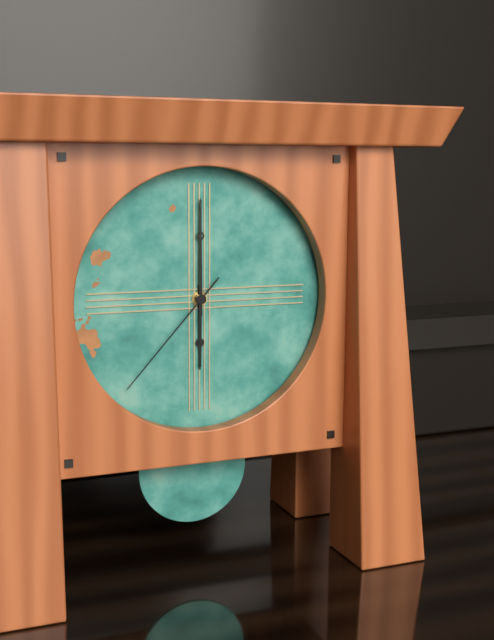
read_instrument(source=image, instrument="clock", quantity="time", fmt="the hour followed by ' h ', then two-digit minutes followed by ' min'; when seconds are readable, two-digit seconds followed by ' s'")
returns 6 h 00 min 37 s
